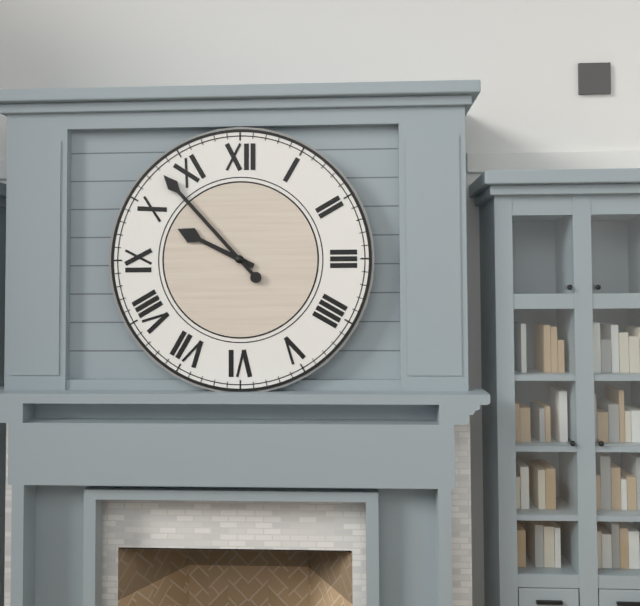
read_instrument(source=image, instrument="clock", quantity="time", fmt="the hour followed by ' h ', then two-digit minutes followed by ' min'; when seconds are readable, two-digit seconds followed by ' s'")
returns 9 h 53 min
